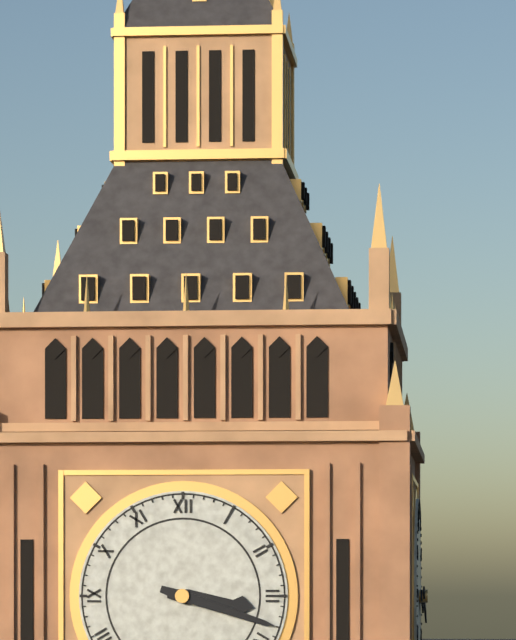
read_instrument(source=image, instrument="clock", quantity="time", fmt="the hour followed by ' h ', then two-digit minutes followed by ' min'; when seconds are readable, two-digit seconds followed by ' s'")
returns 3 h 18 min
